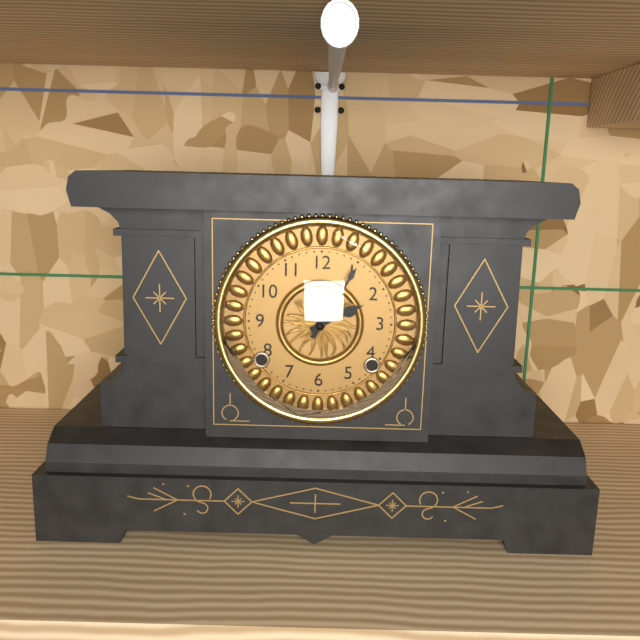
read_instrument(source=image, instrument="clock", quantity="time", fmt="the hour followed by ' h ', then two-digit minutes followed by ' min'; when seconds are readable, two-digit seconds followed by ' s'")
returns 2 h 05 min
